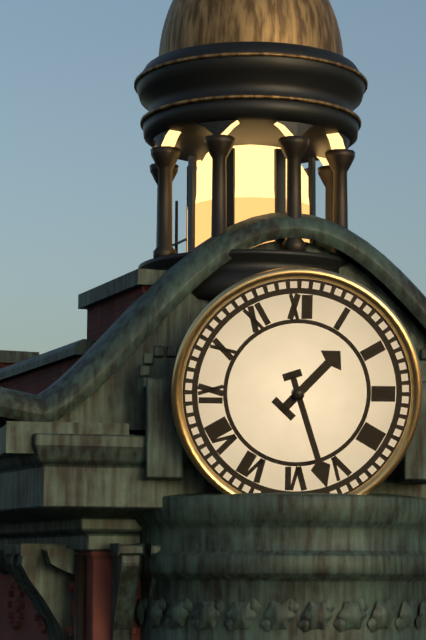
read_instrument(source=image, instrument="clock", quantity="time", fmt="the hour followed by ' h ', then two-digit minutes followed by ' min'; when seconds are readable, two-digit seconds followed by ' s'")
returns 1 h 27 min
